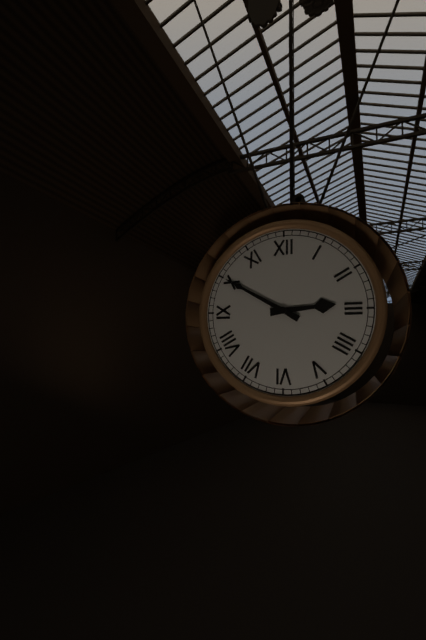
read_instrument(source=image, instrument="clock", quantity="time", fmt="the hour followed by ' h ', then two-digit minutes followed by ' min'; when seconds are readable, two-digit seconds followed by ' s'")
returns 2 h 50 min
